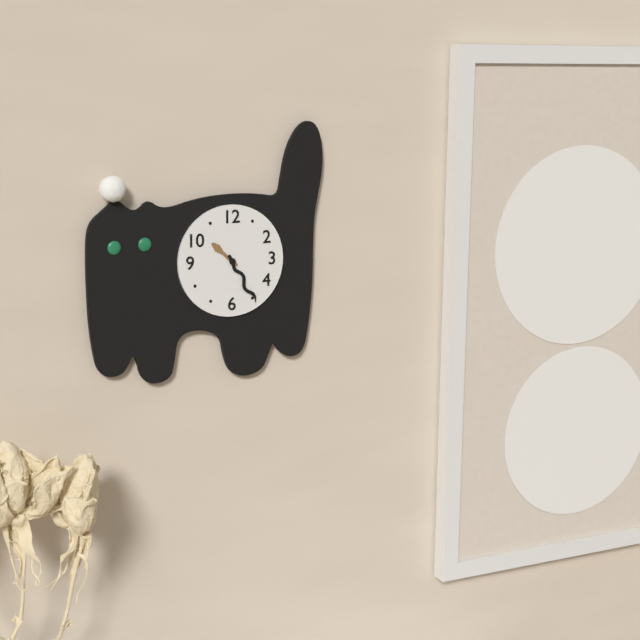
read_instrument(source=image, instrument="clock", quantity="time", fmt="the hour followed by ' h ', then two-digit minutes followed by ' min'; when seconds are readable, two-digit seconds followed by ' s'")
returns 10 h 25 min
